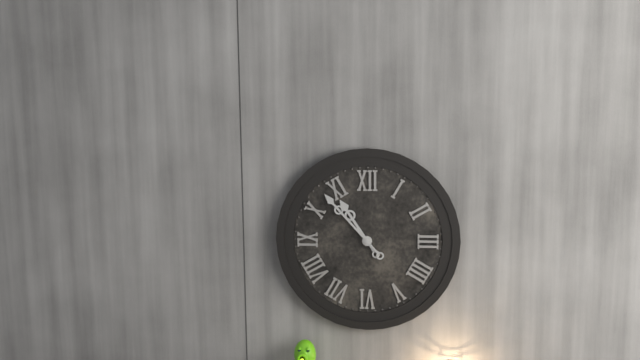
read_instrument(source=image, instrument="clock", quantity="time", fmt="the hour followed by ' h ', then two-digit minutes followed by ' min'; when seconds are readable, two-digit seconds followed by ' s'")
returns 10 h 53 min
